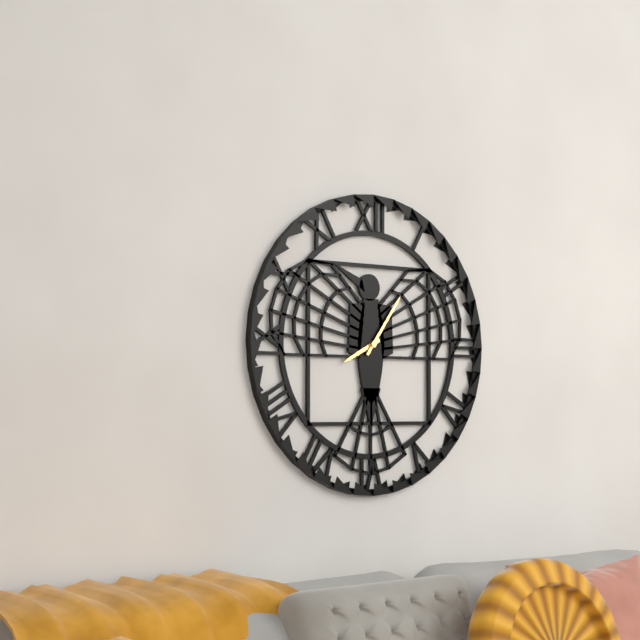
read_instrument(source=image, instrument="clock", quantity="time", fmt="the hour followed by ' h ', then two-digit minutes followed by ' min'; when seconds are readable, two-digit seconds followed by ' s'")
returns 8 h 06 min
